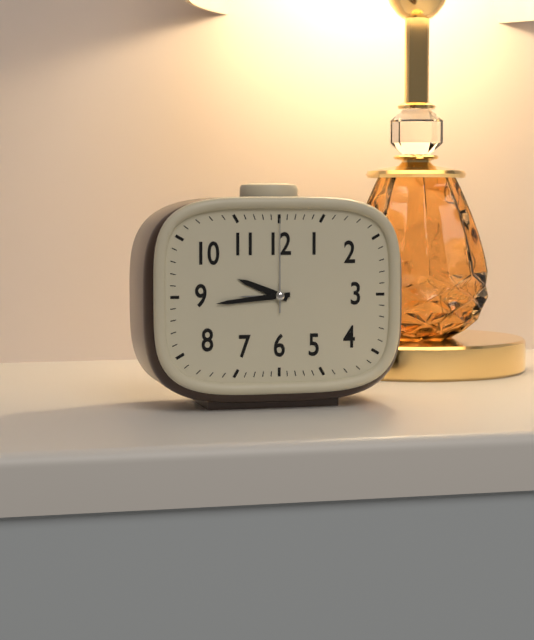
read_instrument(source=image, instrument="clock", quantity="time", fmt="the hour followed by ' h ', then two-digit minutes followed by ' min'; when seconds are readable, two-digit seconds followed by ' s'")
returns 9 h 44 min 00 s
